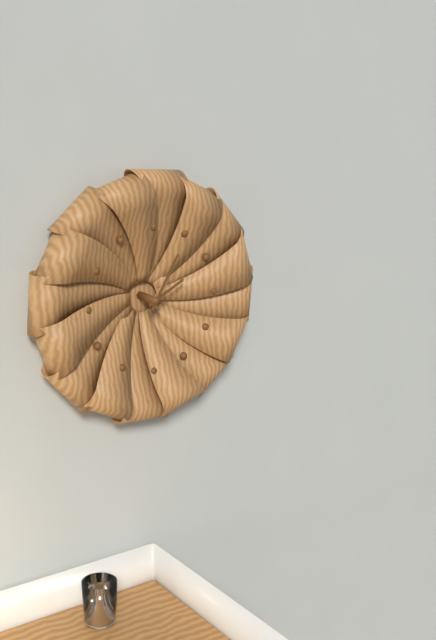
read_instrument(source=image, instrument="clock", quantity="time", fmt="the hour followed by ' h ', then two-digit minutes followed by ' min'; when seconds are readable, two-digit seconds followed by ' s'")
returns 2 h 05 min
